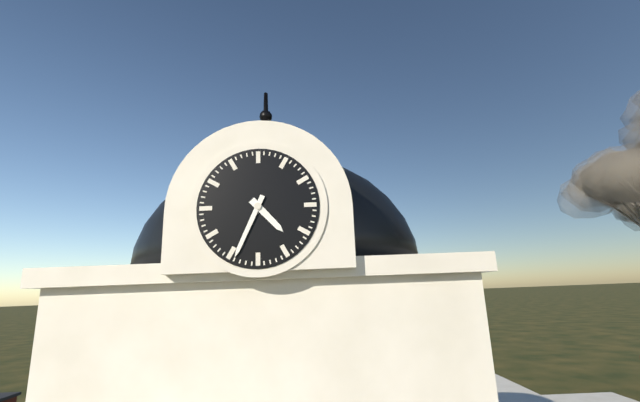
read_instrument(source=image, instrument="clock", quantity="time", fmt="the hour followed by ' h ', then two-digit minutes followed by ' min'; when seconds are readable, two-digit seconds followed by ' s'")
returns 4 h 34 min
